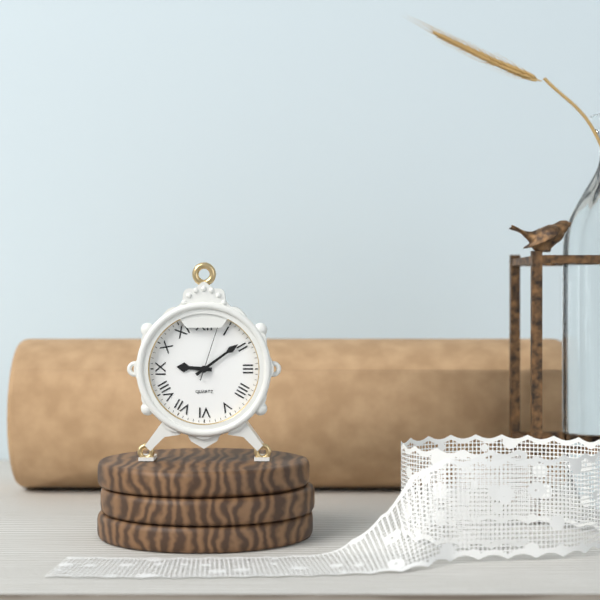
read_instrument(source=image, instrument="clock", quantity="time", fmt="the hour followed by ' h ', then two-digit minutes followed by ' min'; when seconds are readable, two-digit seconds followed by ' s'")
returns 9 h 09 min 03 s
